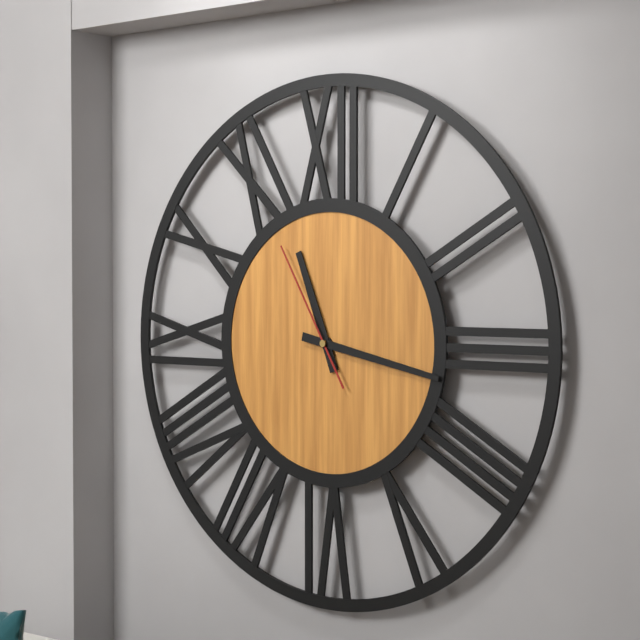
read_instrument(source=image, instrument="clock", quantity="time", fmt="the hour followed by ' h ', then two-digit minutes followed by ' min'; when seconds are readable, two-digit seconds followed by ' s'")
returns 11 h 17 min 55 s
